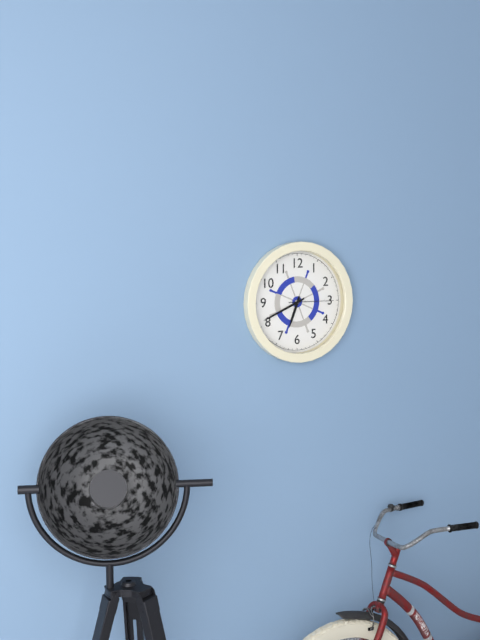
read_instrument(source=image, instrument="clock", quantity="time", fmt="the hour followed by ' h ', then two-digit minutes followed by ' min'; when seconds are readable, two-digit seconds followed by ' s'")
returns 6 h 41 min
